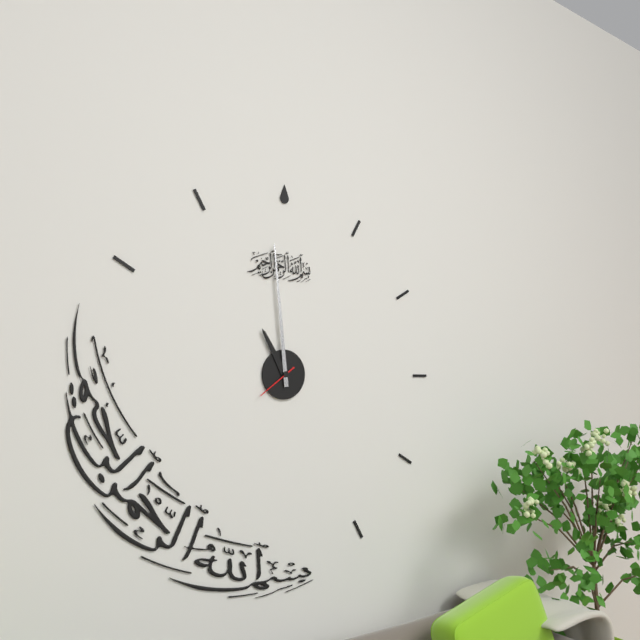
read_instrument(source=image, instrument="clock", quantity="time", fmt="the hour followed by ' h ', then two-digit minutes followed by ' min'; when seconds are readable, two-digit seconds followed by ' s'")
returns 10 h 59 min
